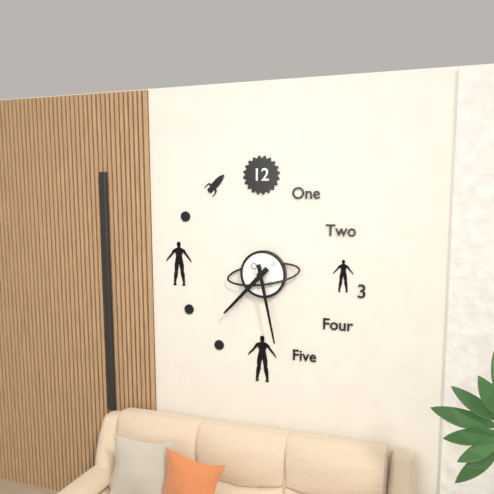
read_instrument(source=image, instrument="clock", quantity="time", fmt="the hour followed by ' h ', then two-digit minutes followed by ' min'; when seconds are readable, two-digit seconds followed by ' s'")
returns 7 h 28 min
